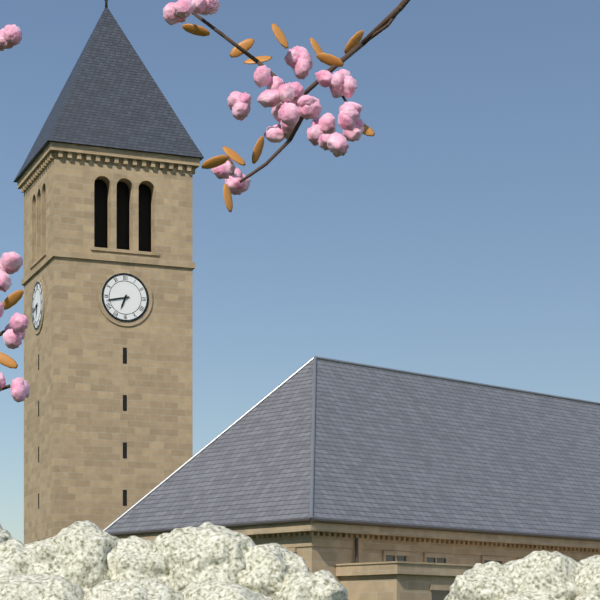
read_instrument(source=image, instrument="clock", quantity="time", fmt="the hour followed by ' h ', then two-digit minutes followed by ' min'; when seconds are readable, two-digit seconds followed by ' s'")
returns 6 h 43 min
